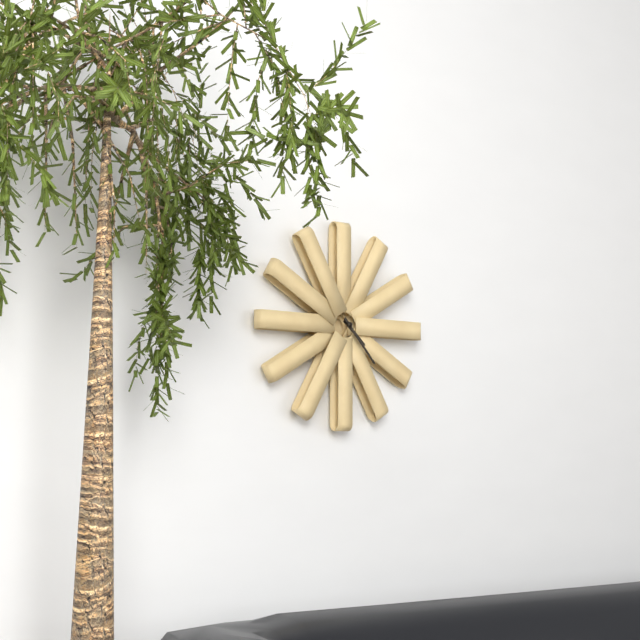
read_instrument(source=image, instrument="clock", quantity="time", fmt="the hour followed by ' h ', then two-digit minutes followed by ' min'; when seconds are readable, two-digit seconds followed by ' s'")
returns 4 h 23 min
